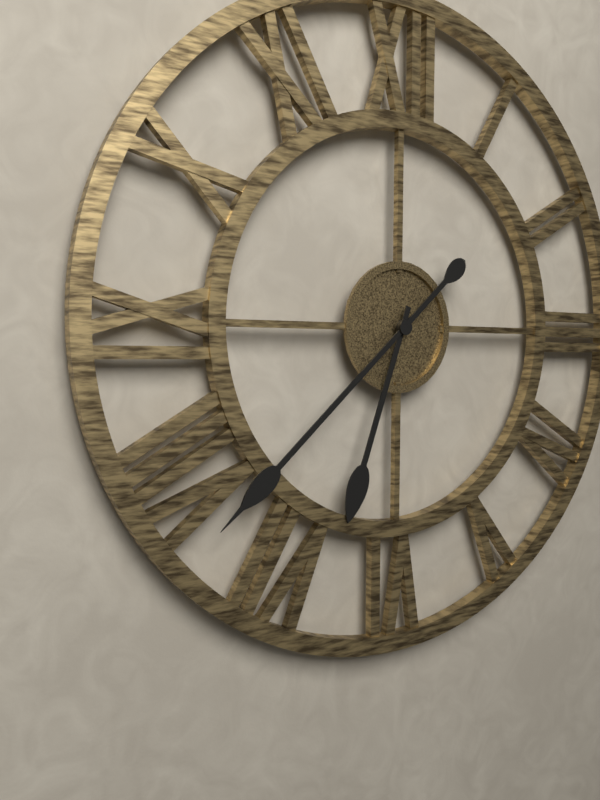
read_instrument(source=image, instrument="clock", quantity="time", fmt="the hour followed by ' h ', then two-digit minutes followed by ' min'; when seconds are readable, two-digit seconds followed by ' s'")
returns 6 h 38 min
